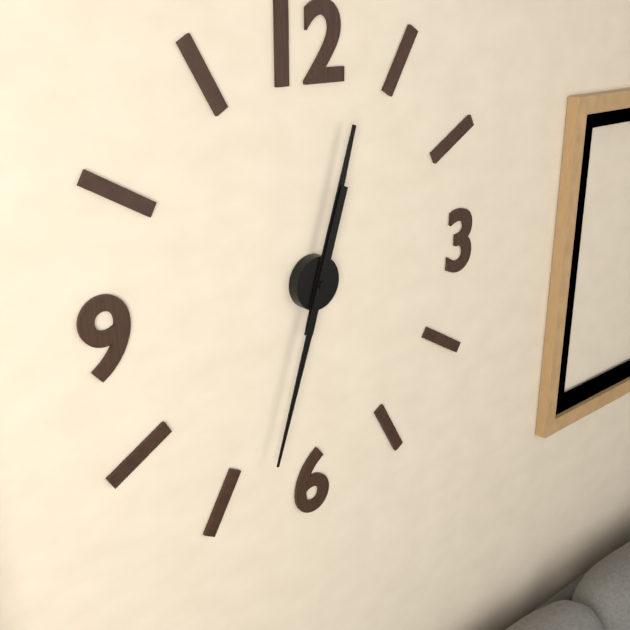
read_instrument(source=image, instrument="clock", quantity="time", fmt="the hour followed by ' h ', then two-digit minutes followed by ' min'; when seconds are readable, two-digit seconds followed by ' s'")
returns 12 h 33 min
